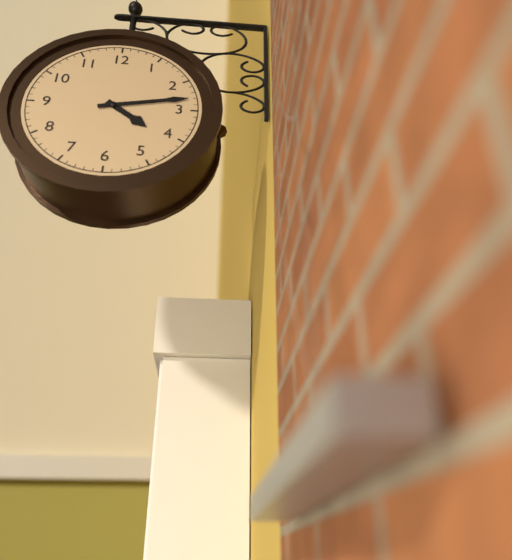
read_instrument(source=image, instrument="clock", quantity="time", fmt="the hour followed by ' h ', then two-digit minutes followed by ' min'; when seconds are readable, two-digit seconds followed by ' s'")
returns 4 h 13 min
